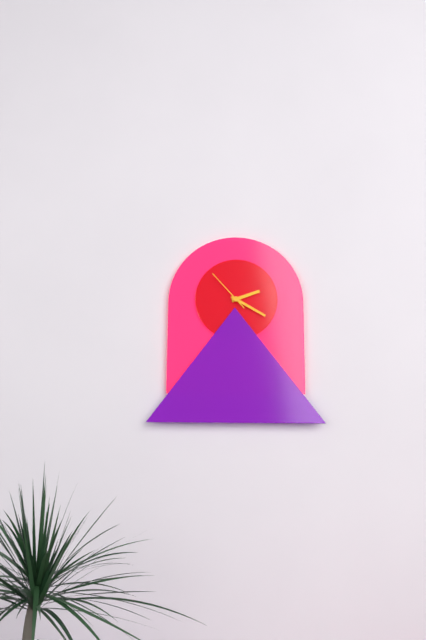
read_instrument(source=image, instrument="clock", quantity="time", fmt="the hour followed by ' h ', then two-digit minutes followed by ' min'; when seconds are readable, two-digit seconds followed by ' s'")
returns 2 h 20 min
